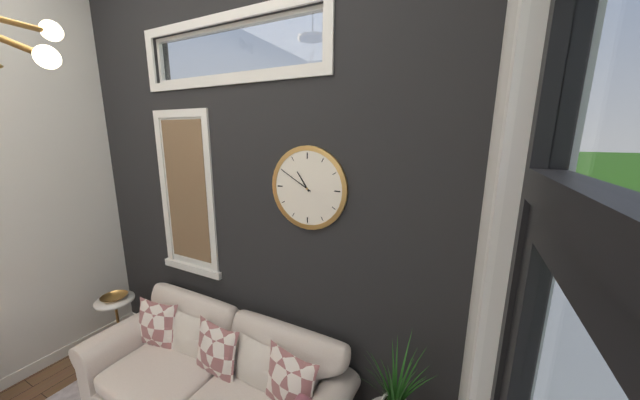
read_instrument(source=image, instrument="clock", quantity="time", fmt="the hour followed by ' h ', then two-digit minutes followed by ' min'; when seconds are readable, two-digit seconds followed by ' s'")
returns 10 h 50 min
